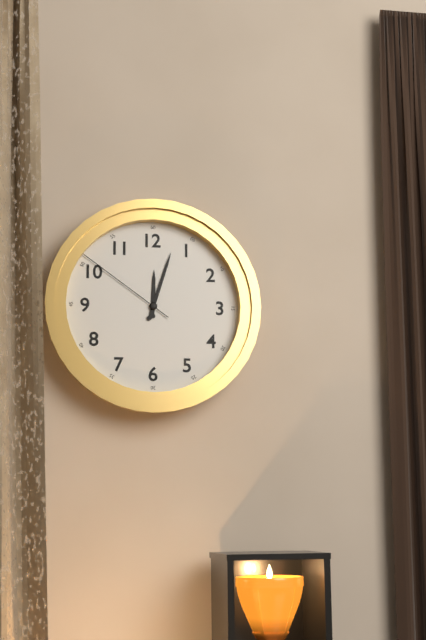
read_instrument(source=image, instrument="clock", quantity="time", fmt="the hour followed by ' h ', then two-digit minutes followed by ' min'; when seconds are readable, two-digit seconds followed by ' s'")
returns 12 h 03 min 51 s
